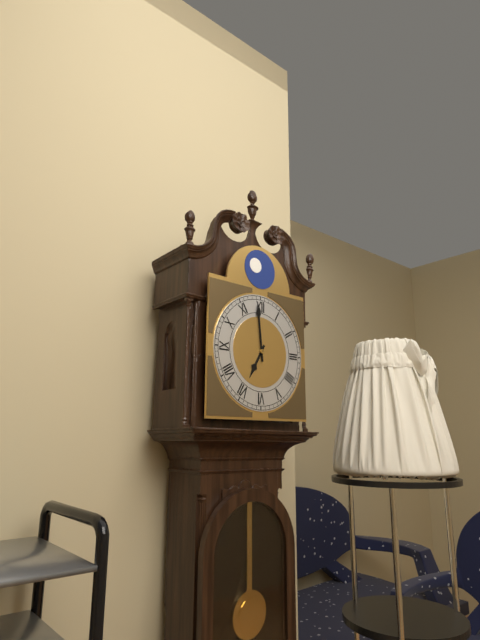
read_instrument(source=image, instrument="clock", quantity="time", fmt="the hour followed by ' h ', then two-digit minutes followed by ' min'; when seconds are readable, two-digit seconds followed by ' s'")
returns 6 h 59 min
